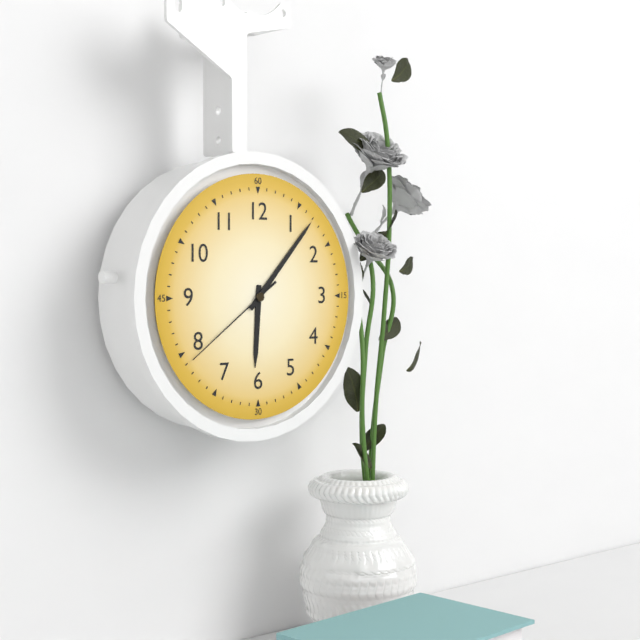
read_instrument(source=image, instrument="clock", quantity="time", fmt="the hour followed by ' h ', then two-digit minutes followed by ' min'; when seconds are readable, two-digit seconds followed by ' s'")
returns 6 h 07 min 39 s
